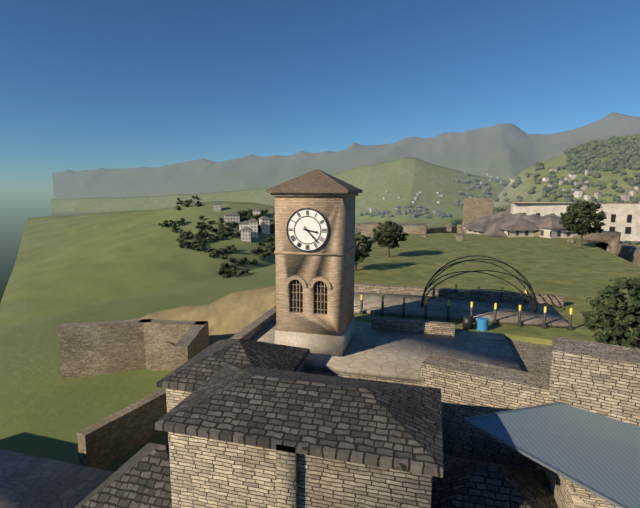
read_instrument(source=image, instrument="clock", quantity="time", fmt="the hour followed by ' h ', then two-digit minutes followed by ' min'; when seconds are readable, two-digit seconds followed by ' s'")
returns 3 h 23 min
